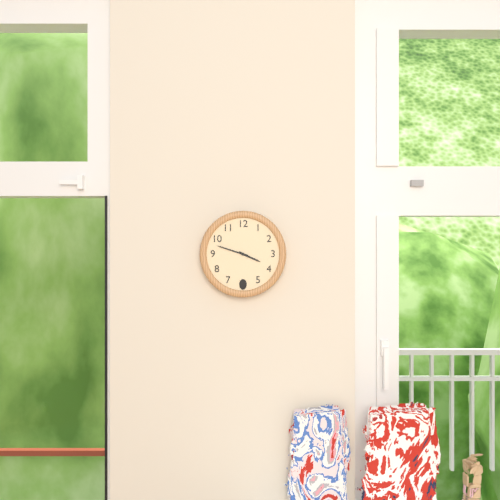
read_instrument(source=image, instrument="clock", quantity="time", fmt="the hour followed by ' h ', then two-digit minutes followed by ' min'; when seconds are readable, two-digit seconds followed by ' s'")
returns 3 h 48 min
